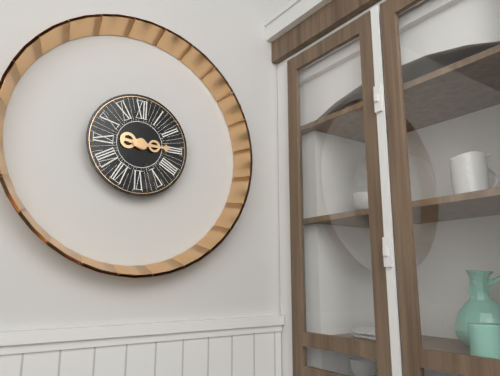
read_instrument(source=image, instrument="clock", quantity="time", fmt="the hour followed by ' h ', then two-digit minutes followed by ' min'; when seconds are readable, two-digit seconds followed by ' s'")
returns 9 h 15 min
